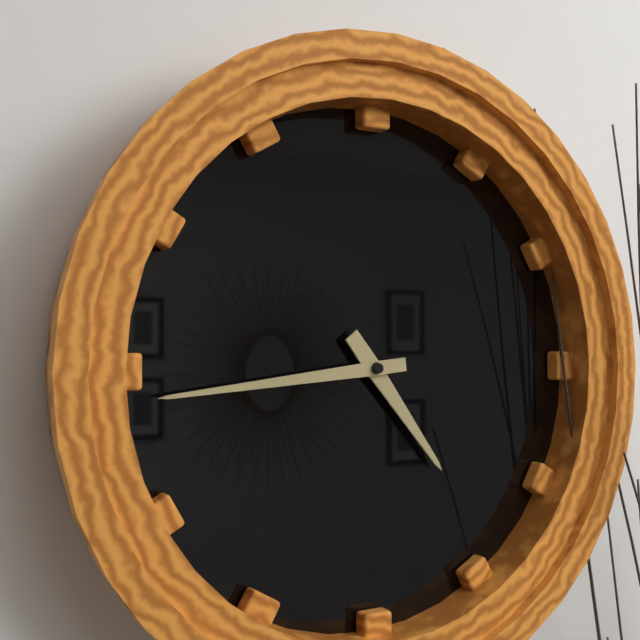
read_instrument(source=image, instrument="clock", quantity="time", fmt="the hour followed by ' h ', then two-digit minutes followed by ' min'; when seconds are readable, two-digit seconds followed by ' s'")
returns 4 h 44 min
